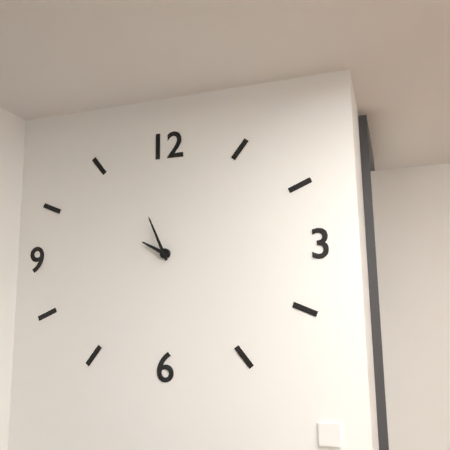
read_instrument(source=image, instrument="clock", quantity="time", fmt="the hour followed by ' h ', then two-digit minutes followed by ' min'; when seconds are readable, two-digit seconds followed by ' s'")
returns 9 h 56 min
